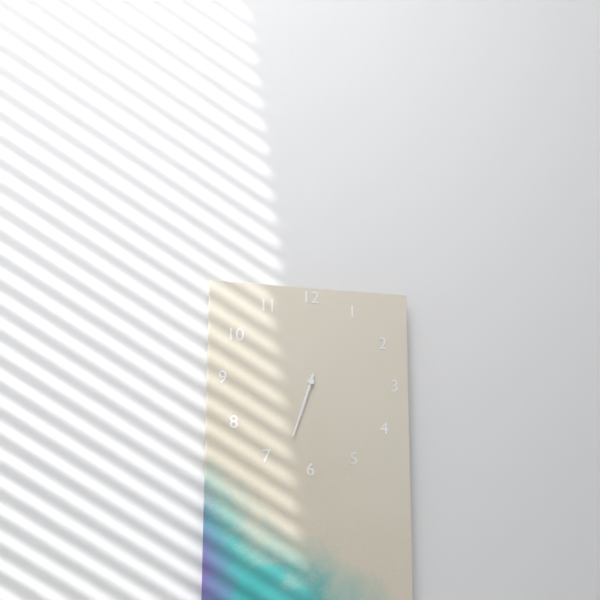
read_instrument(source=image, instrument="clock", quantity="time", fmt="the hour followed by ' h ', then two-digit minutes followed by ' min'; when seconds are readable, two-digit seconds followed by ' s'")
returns 6 h 33 min
